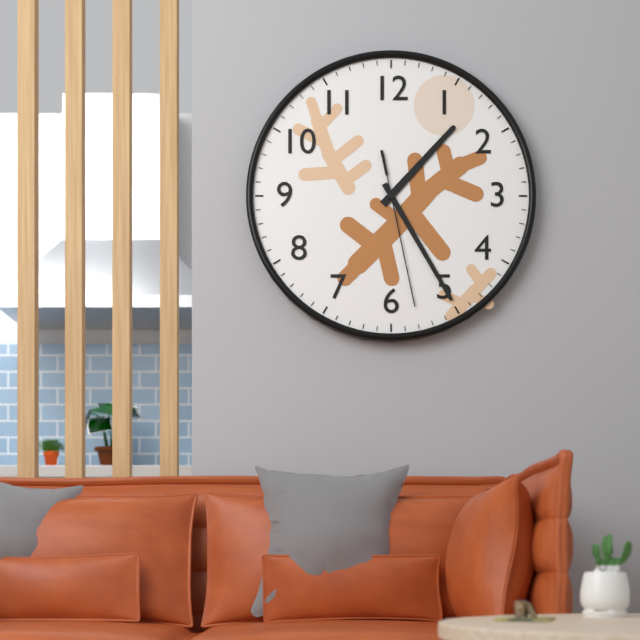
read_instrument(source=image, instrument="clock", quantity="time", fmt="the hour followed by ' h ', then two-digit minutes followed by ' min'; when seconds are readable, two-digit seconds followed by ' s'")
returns 1 h 25 min 28 s
